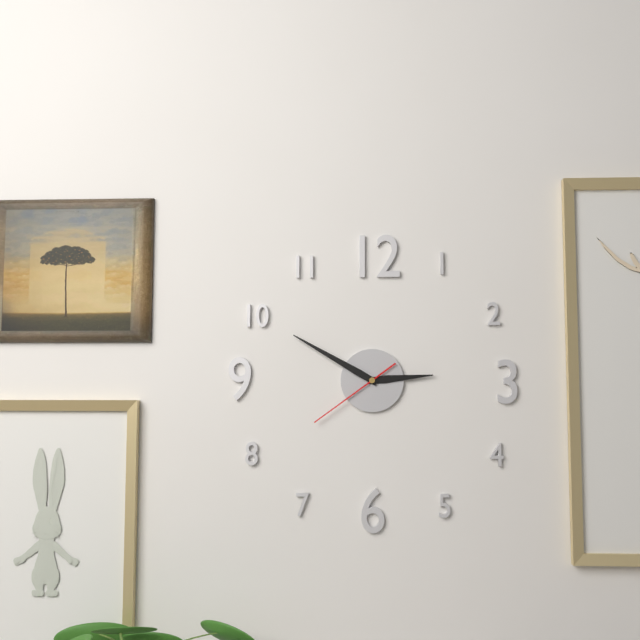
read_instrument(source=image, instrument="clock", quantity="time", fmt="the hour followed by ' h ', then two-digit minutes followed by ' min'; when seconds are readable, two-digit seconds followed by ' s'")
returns 2 h 50 min 39 s
